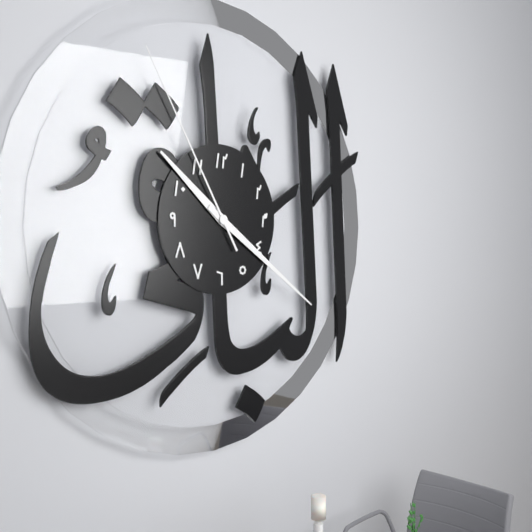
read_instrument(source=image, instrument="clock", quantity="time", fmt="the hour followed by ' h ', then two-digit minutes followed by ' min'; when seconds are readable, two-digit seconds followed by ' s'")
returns 10 h 21 min 55 s
